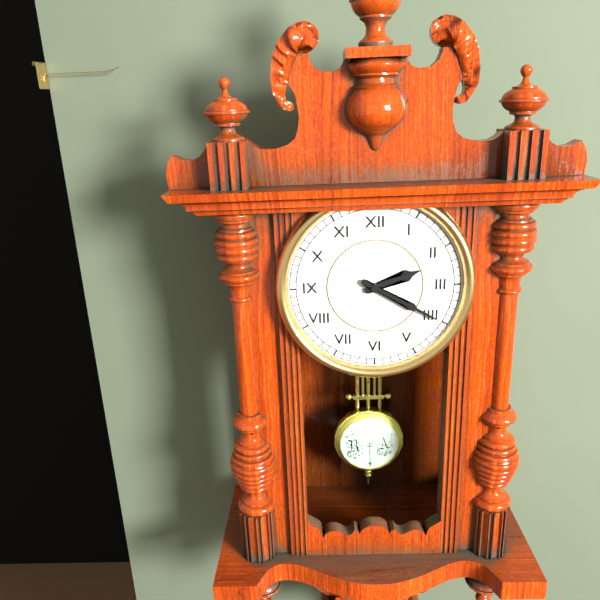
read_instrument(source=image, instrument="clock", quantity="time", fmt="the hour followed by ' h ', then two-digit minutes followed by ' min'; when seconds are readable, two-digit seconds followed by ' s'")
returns 2 h 20 min
